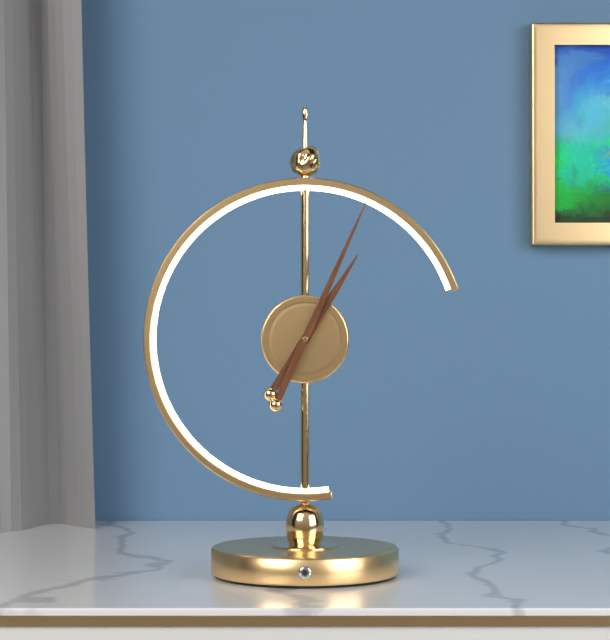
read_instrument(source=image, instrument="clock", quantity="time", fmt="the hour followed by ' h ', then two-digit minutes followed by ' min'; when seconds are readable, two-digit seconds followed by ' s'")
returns 1 h 04 min
